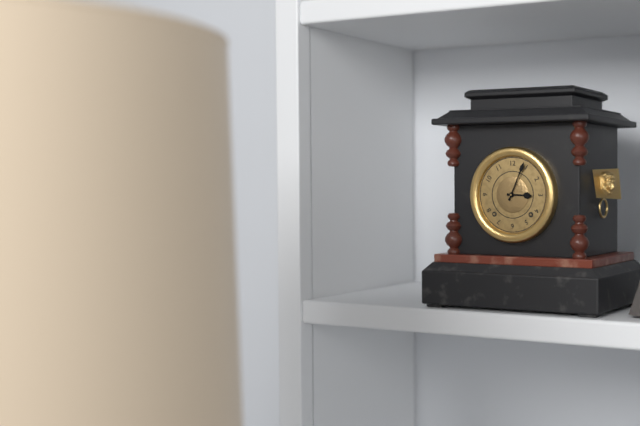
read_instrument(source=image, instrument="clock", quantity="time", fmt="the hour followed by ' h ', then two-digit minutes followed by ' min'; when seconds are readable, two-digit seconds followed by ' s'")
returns 3 h 04 min
